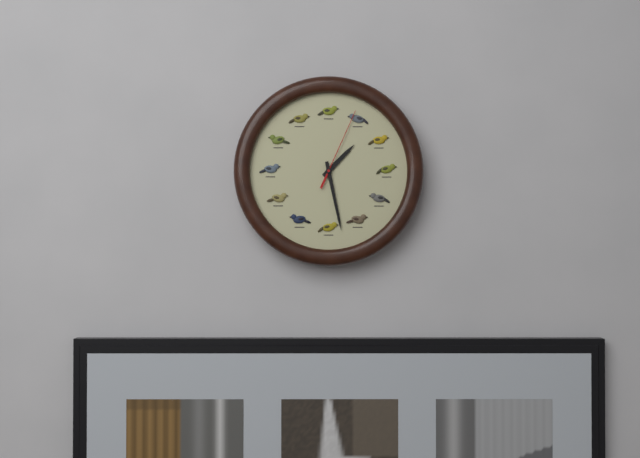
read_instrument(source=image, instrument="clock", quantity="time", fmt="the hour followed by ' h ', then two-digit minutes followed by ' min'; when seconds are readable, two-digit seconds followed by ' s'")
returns 1 h 28 min 04 s
